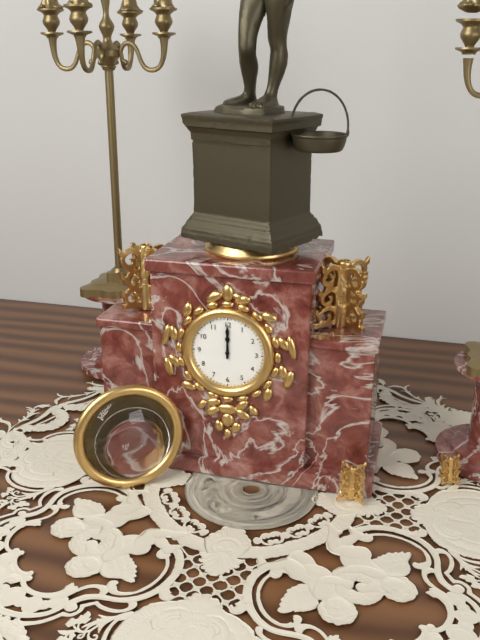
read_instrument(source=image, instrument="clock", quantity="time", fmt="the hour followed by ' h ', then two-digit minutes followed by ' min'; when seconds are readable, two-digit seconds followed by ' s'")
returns 12 h 00 min
